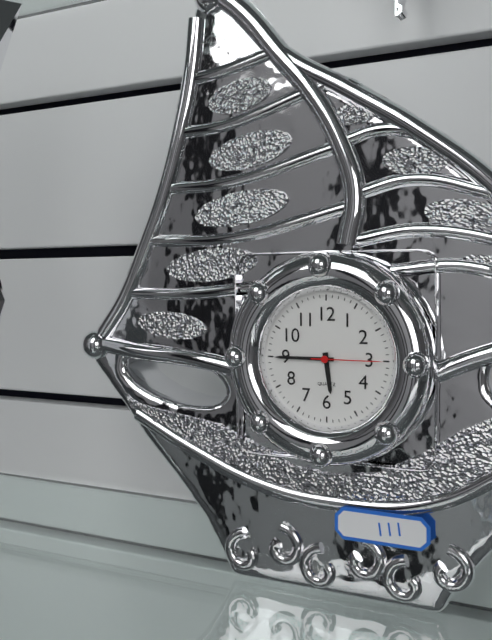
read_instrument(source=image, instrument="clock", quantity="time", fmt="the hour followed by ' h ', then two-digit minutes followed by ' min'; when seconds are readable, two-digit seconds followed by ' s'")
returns 5 h 45 min 15 s
